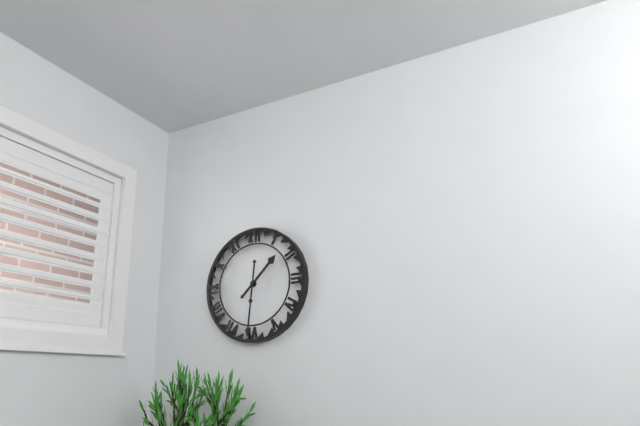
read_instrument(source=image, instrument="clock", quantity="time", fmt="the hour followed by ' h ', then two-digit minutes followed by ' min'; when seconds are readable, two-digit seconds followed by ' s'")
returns 1 h 31 min
